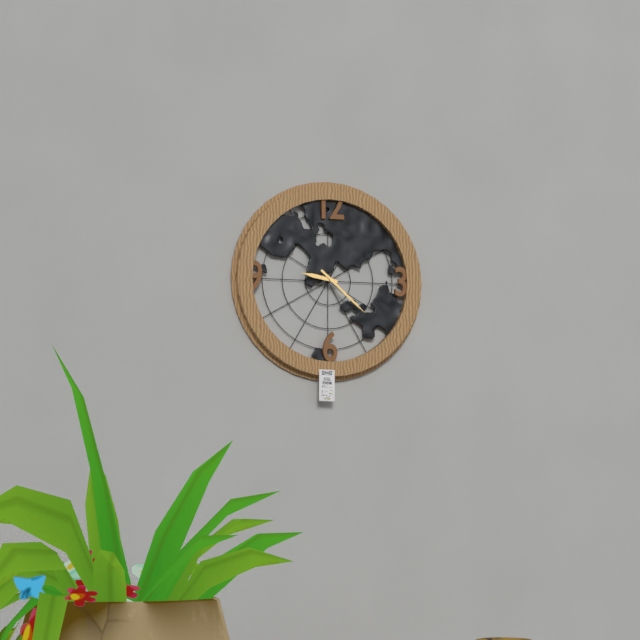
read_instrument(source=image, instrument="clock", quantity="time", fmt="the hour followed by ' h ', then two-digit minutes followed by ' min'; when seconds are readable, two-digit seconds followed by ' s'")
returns 9 h 22 min
